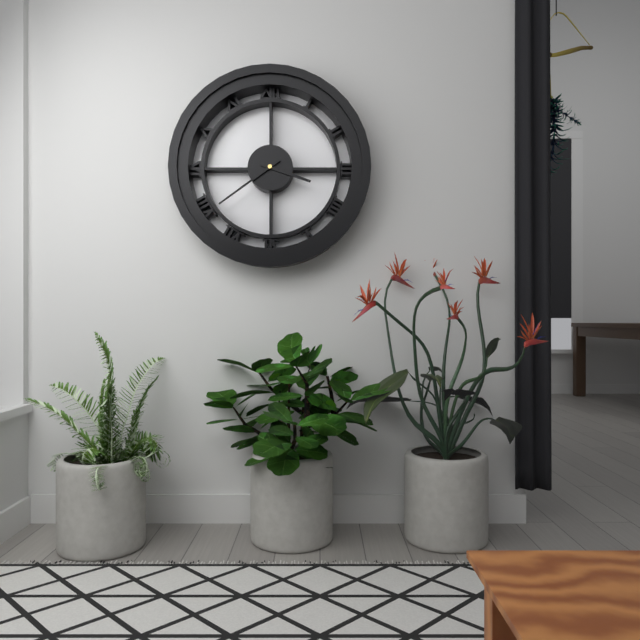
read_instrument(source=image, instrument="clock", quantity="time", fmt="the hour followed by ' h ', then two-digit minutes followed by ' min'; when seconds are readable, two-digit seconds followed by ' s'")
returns 3 h 39 min
